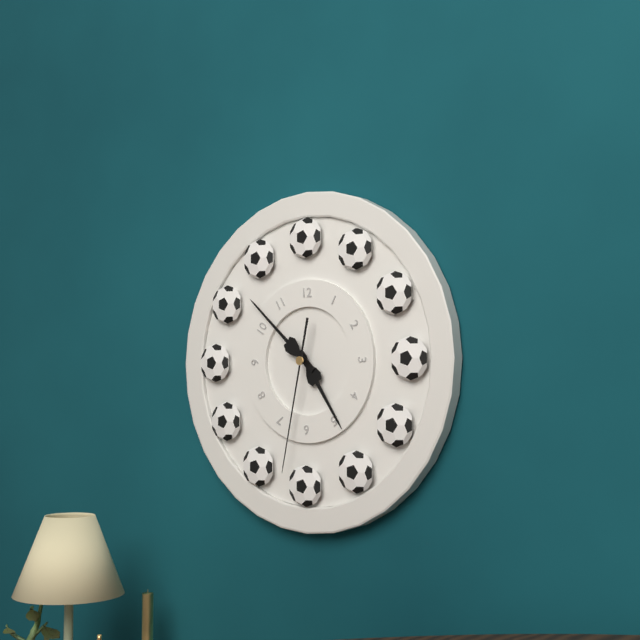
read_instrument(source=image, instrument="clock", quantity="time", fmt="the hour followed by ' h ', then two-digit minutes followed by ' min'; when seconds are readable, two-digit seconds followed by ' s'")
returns 4 h 52 min 32 s
